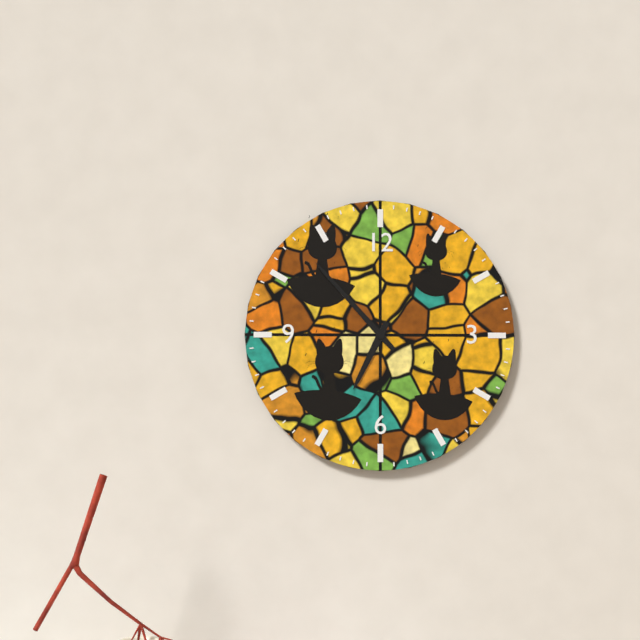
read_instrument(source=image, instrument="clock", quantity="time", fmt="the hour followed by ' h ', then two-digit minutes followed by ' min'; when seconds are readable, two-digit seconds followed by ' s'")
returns 6 h 53 min
